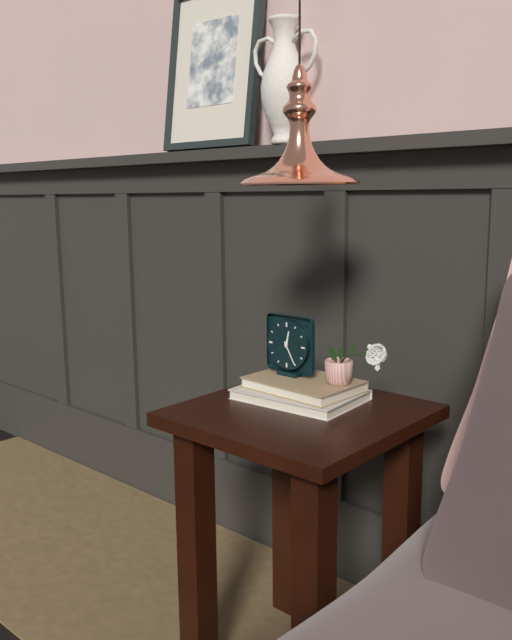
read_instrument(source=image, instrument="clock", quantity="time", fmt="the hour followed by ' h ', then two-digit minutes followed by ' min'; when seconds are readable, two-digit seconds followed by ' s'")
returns 12 h 25 min
